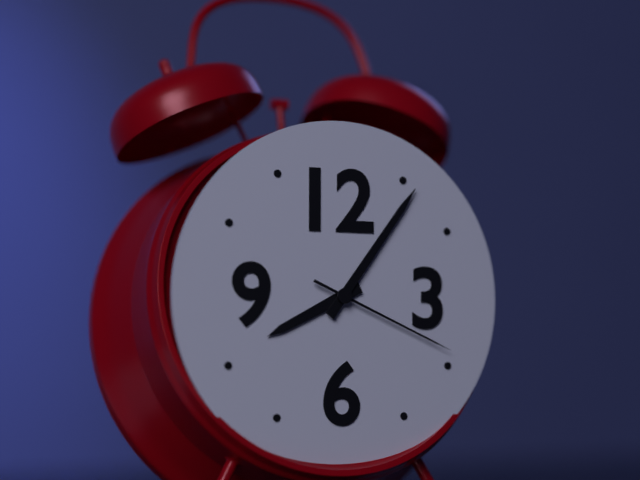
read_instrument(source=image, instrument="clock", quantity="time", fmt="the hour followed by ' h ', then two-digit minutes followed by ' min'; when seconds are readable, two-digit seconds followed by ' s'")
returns 8 h 06 min 19 s
